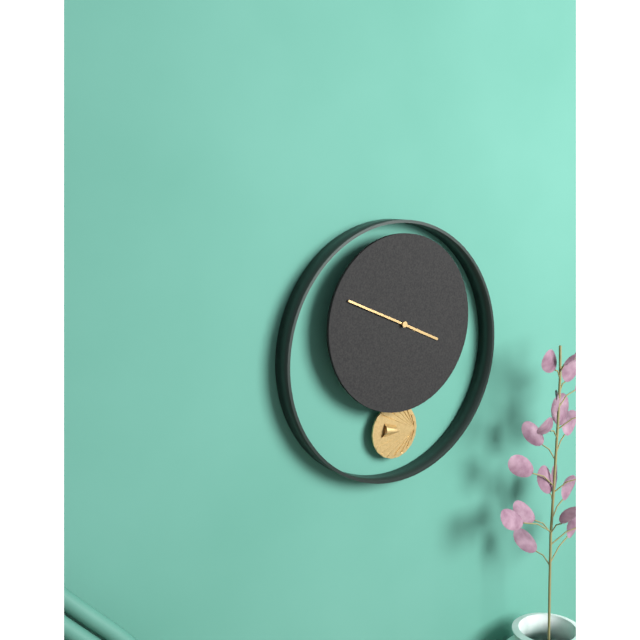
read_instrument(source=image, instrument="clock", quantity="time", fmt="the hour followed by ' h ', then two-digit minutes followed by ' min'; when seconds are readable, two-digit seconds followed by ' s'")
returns 3 h 49 min
